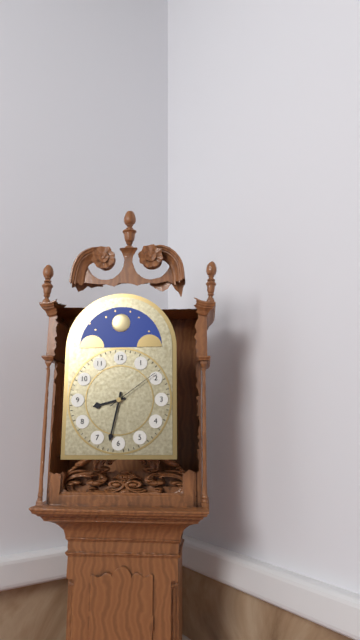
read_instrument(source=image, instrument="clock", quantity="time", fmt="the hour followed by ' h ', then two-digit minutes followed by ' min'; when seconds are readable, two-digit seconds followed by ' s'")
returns 8 h 32 min 09 s
